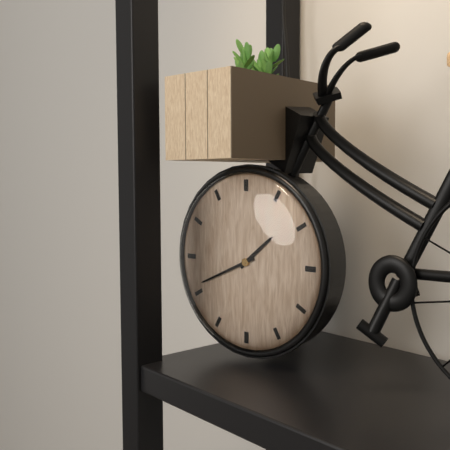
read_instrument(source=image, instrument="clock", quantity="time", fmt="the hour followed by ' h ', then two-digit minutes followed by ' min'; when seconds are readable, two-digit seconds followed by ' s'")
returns 1 h 41 min
